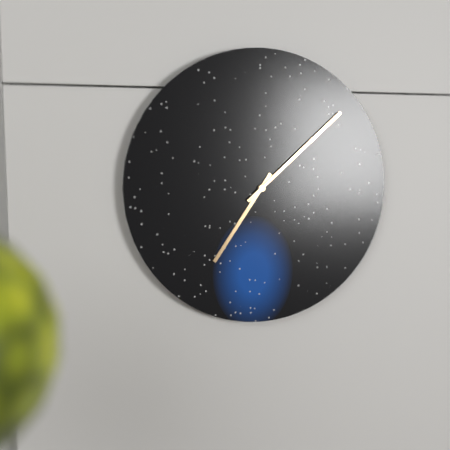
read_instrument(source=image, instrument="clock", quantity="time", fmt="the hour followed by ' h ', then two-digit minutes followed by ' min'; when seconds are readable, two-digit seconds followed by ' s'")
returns 7 h 08 min
